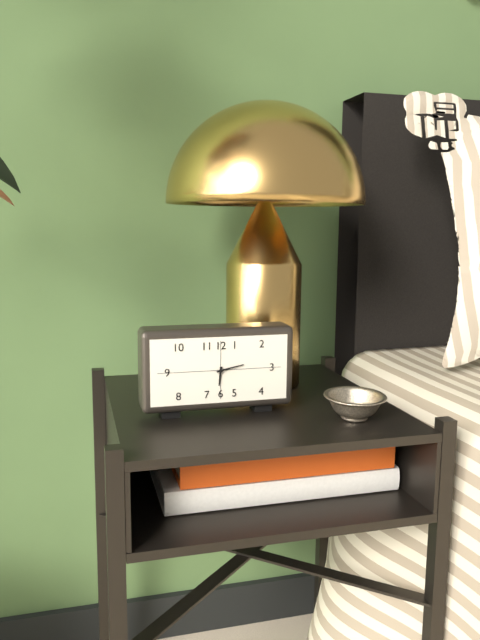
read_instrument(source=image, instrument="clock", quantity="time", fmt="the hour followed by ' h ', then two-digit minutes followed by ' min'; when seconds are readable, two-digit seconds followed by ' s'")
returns 6 h 13 min
